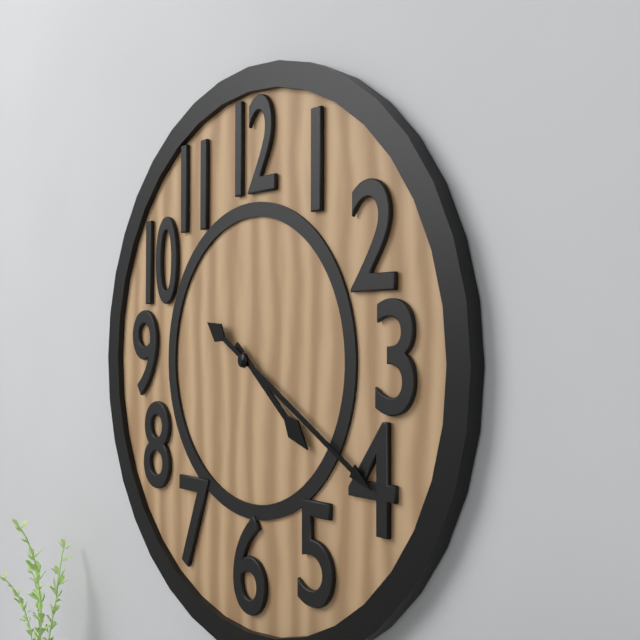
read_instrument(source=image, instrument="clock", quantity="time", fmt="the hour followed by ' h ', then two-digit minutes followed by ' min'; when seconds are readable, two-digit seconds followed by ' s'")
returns 4 h 20 min
